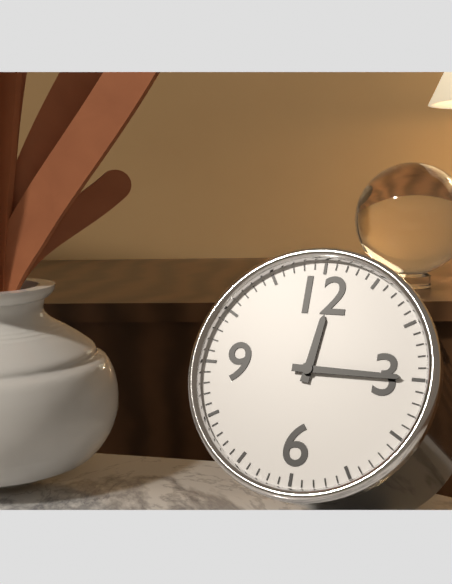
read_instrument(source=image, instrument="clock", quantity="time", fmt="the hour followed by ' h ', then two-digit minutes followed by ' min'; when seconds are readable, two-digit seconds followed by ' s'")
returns 12 h 15 min
